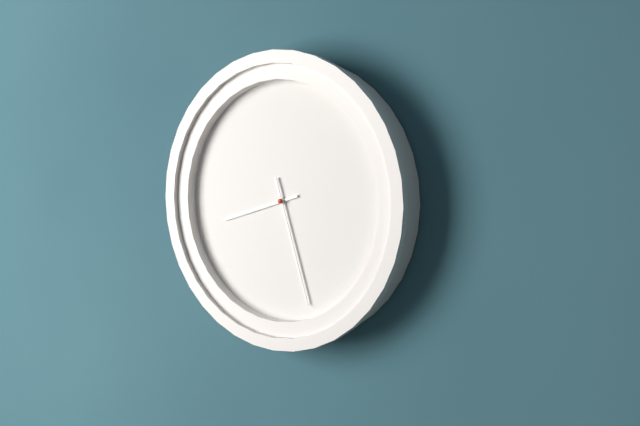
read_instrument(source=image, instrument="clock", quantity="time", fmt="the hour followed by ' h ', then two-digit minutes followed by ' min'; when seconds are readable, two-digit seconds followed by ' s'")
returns 8 h 27 min
